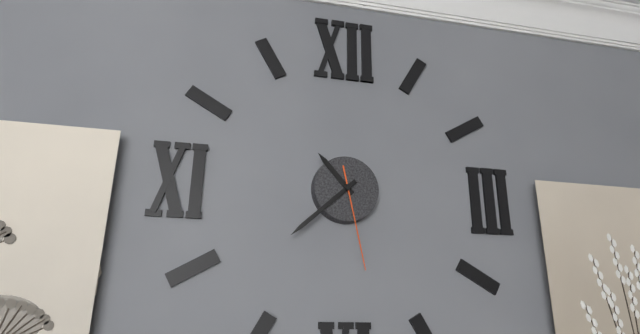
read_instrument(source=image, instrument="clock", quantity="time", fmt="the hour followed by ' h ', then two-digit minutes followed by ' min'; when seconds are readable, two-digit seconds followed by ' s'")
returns 10 h 38 min 28 s
